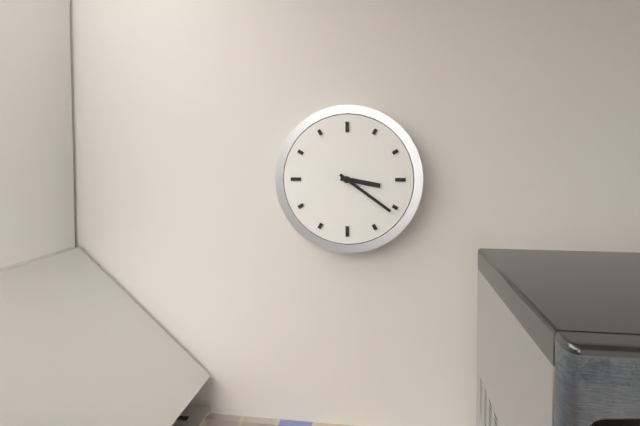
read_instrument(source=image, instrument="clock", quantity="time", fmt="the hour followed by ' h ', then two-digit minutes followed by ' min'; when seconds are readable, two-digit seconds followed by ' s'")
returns 3 h 21 min
